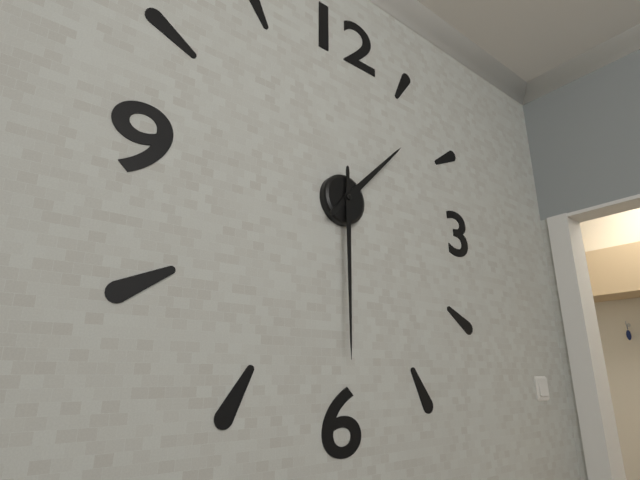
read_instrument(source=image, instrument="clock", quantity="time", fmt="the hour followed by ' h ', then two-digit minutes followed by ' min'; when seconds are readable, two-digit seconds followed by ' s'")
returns 1 h 30 min
